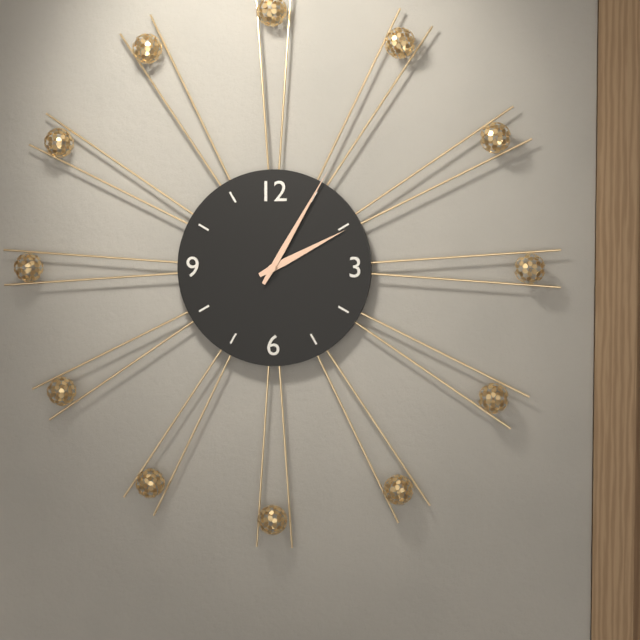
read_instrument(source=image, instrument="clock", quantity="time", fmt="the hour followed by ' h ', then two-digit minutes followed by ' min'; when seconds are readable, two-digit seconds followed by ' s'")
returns 2 h 05 min
